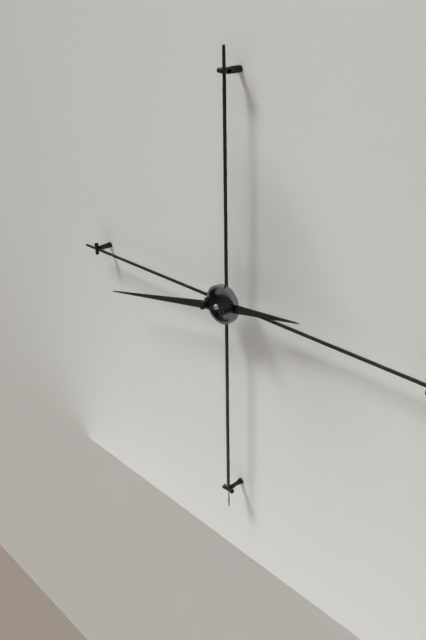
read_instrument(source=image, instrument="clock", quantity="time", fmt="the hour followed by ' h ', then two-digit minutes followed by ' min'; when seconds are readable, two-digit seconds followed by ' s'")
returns 2 h 43 min
